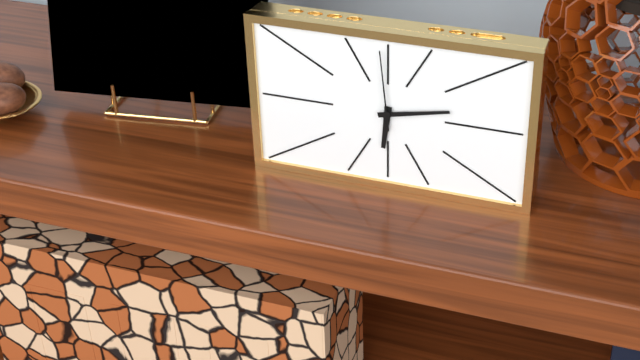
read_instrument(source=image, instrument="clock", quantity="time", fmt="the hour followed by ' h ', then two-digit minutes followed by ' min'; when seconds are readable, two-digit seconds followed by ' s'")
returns 6 h 13 min 59 s
